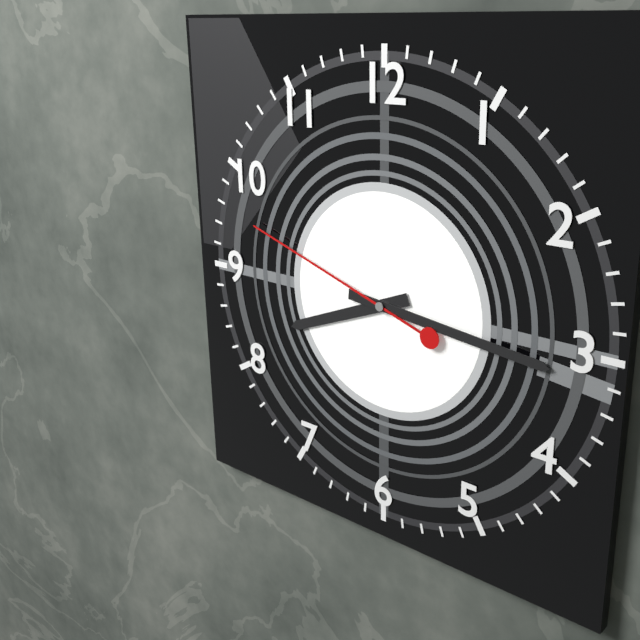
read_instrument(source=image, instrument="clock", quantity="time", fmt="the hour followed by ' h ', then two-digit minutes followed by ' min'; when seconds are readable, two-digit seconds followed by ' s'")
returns 8 h 16 min 48 s
